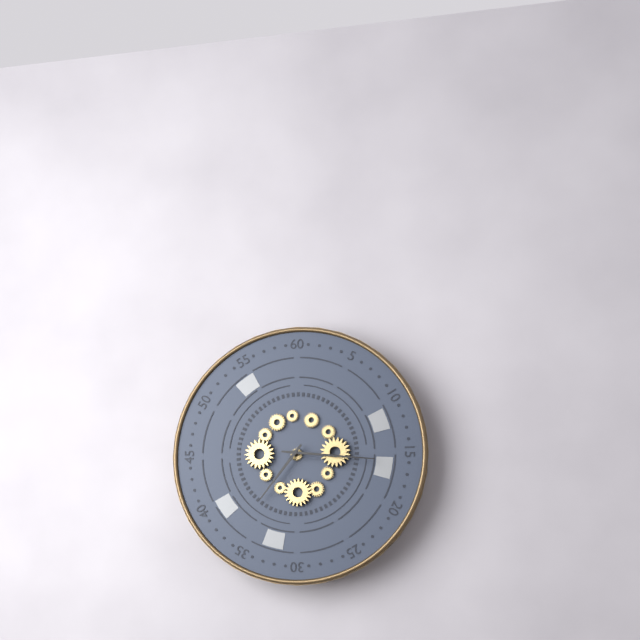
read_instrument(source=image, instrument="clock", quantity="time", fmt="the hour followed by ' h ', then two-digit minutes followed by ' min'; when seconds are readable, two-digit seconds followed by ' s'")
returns 7 h 16 min
